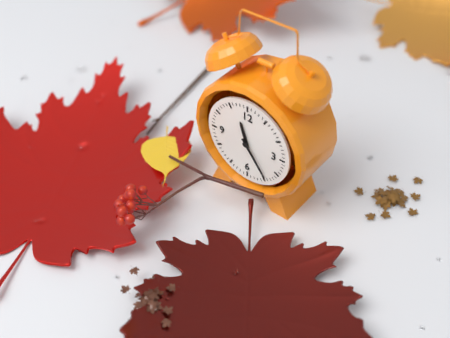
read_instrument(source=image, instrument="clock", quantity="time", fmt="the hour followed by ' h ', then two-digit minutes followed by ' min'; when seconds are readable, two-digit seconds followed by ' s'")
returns 11 h 24 min
